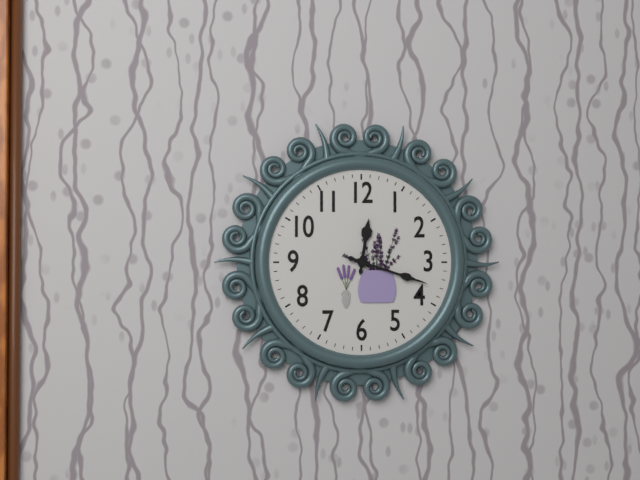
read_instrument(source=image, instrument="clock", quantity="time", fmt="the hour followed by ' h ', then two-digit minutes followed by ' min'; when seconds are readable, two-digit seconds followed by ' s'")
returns 12 h 18 min
